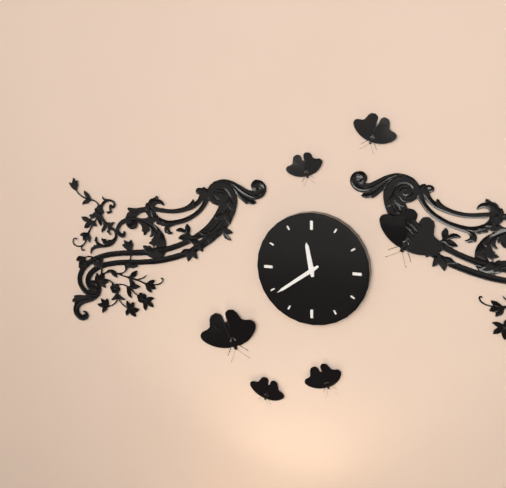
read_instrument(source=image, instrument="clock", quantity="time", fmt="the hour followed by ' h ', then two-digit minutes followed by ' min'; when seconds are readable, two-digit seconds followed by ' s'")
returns 11 h 39 min
